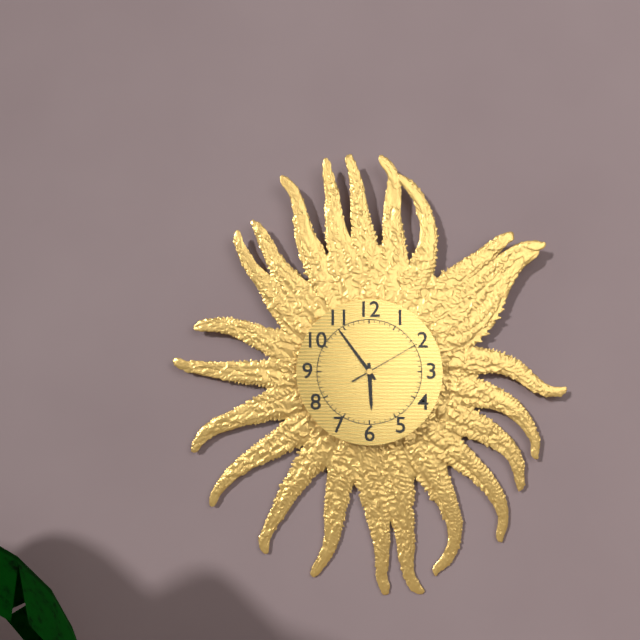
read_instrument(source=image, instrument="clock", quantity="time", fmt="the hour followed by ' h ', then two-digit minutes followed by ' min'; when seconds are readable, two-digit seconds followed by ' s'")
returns 5 h 54 min 10 s
